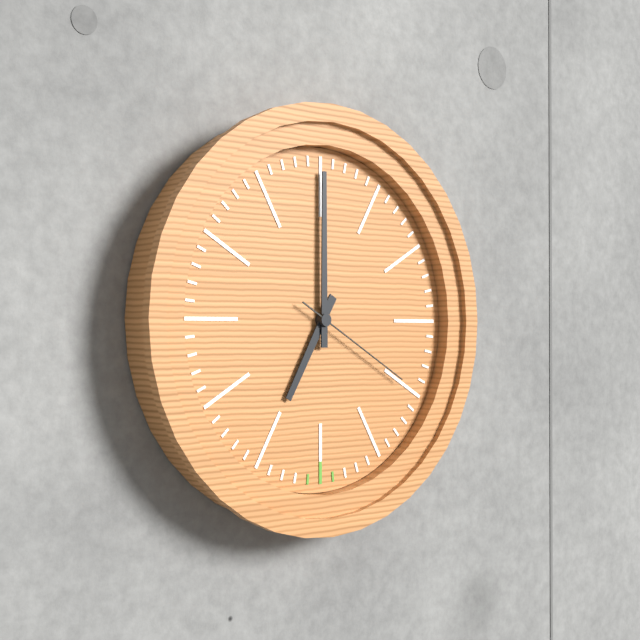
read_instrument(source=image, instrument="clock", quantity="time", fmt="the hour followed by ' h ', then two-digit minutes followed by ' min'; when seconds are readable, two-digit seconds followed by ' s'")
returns 7 h 00 min 20 s
